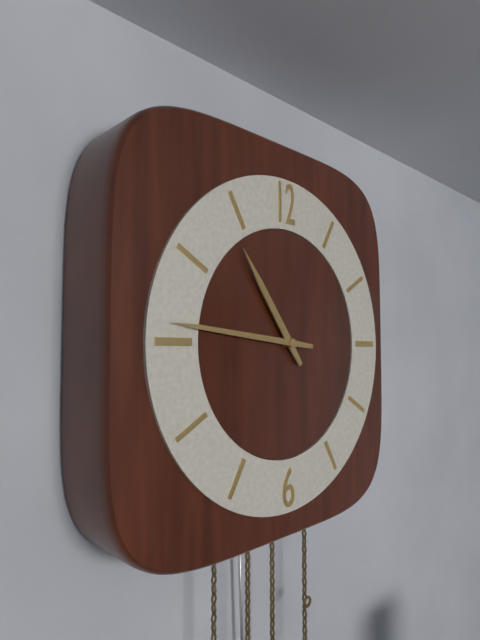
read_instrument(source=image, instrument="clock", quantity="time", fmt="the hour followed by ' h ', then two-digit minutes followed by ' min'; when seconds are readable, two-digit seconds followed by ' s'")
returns 10 h 46 min
